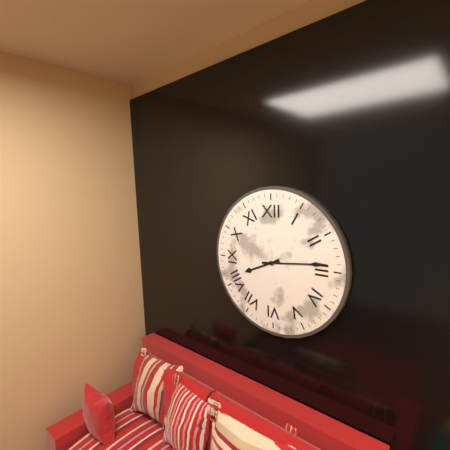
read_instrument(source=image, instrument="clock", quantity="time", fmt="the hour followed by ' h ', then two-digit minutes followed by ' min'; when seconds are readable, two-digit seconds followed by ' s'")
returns 8 h 14 min
